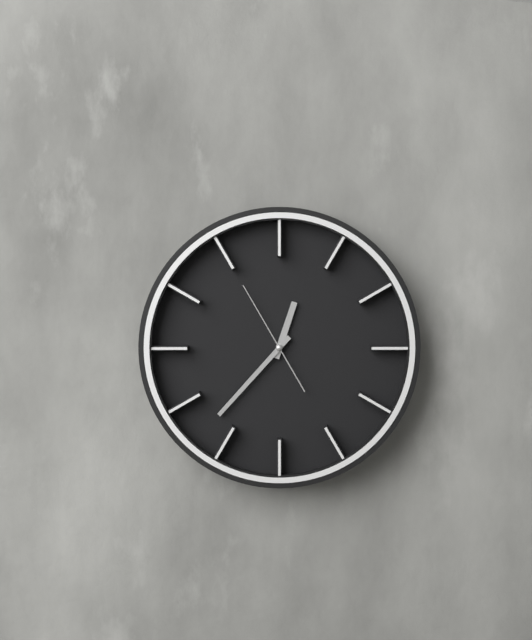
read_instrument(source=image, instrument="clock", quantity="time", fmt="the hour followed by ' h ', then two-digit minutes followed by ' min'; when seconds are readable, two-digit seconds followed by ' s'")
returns 12 h 37 min 55 s
